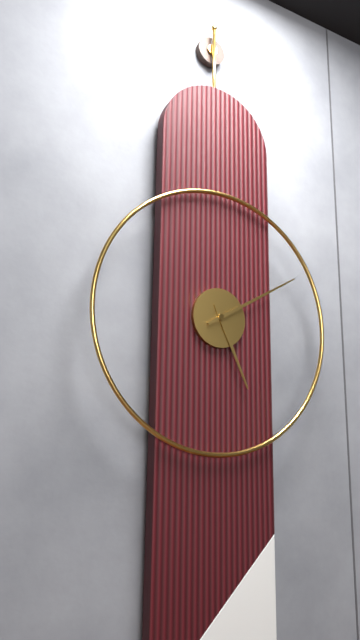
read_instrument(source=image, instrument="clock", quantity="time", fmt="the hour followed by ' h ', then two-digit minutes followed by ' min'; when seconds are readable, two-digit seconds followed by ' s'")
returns 5 h 10 min
